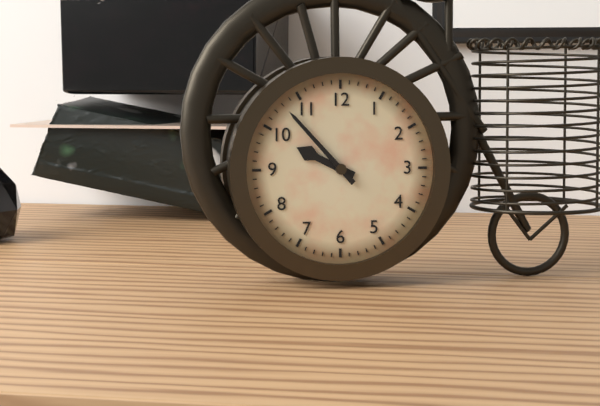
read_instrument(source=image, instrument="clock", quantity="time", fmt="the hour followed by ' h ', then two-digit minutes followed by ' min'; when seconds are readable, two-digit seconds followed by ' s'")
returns 9 h 53 min
